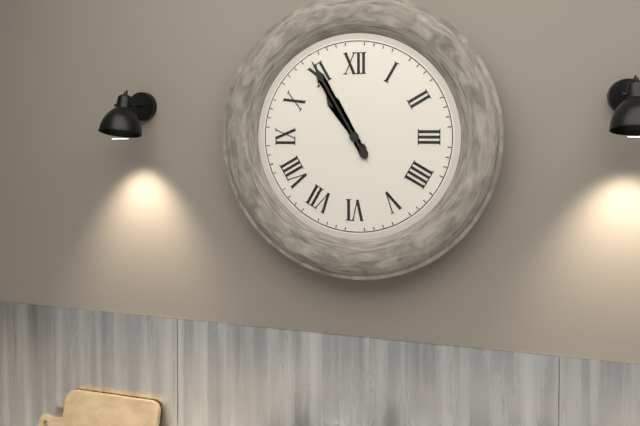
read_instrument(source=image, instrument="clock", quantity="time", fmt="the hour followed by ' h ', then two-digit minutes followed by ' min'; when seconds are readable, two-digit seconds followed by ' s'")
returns 10 h 55 min
